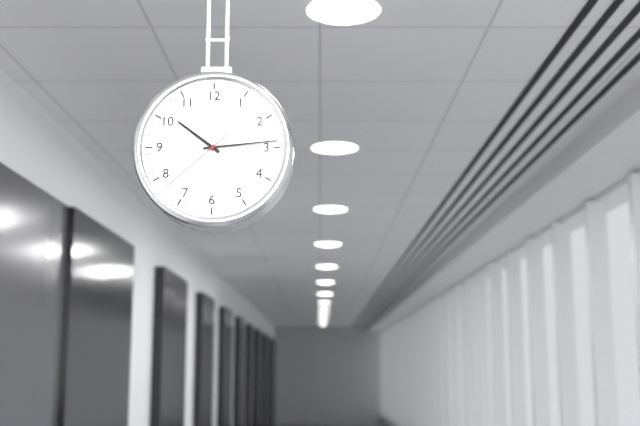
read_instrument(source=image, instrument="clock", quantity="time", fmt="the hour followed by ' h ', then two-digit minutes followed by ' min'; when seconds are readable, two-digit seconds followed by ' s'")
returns 10 h 14 min 38 s
